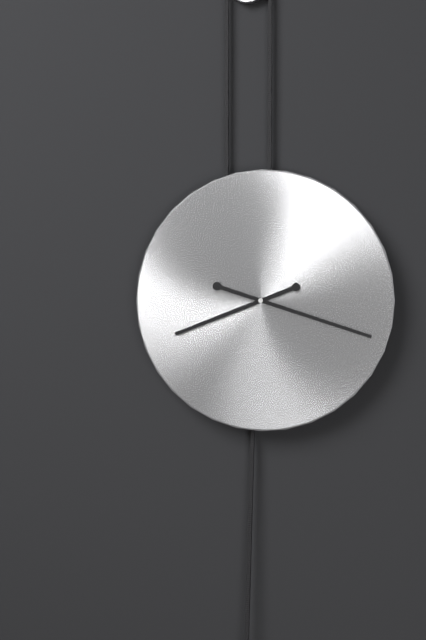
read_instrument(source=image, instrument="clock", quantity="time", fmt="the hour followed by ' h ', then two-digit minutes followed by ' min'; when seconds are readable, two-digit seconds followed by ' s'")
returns 8 h 18 min
